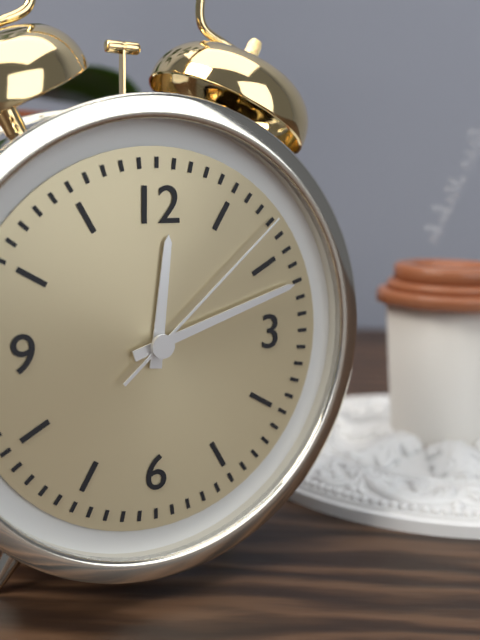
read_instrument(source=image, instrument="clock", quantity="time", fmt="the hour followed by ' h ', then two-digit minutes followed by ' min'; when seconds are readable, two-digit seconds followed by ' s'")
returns 12 h 12 min 08 s
